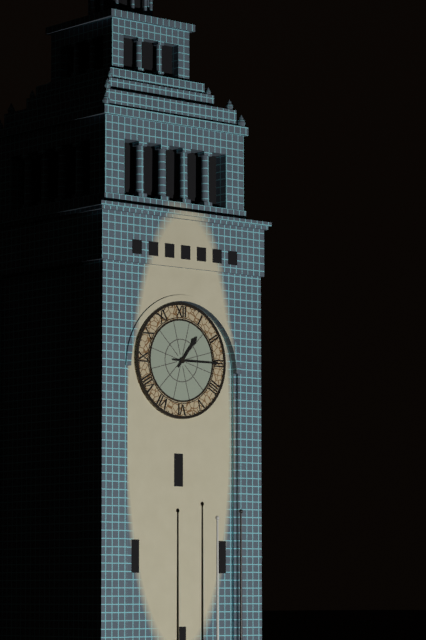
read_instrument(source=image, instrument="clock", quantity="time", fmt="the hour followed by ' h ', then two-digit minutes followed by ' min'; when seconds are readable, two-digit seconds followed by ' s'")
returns 1 h 15 min
